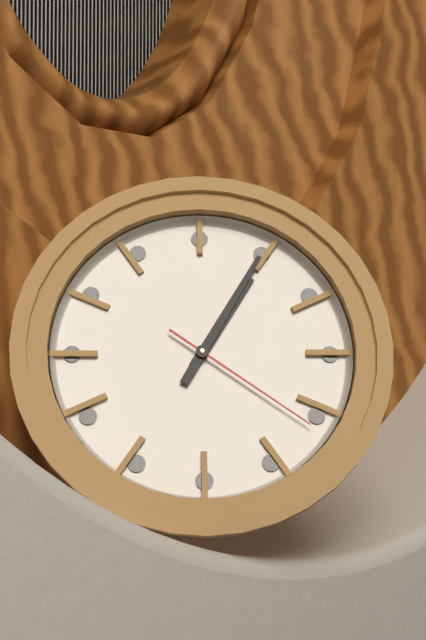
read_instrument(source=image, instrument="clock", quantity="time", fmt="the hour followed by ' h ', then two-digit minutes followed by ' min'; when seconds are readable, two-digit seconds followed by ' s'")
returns 1 h 05 min 21 s
